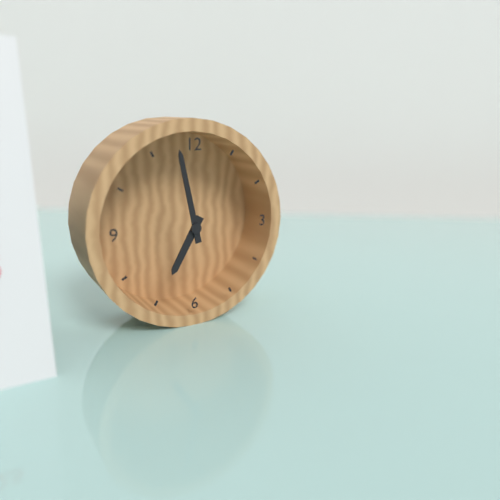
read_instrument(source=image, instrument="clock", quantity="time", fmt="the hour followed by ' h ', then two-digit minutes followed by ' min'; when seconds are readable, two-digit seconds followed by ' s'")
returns 6 h 58 min
